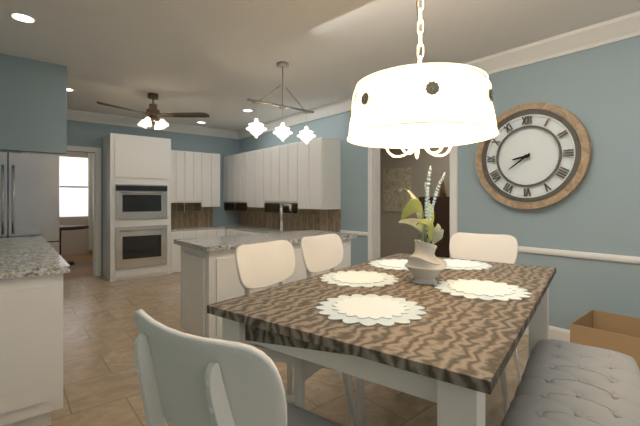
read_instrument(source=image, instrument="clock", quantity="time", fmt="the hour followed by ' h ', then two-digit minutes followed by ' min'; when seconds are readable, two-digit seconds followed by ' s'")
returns 8 h 39 min
